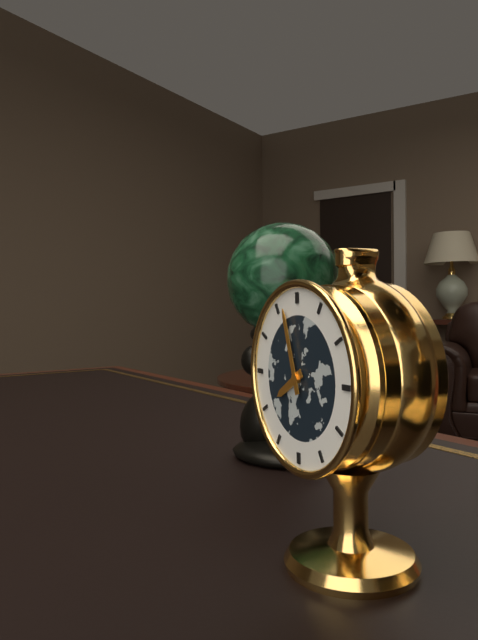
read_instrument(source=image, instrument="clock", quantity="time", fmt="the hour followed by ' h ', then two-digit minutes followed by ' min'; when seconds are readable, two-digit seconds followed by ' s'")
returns 7 h 57 min
